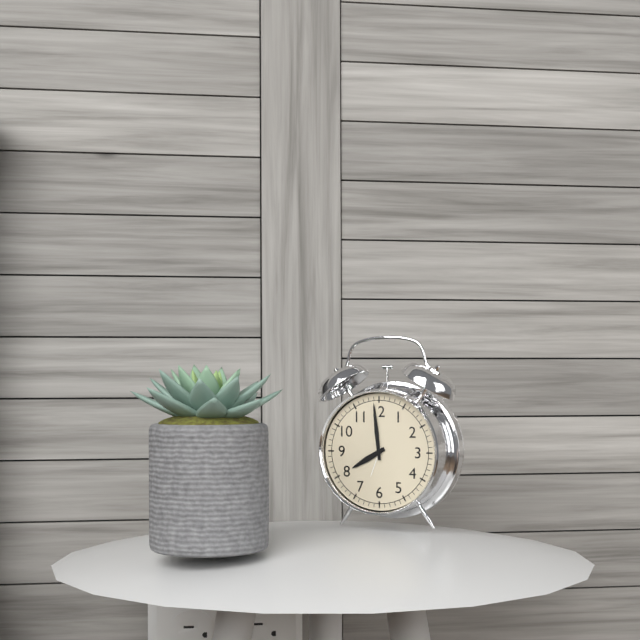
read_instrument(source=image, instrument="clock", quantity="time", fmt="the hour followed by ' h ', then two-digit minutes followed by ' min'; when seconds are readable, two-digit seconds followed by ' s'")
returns 7 h 59 min
